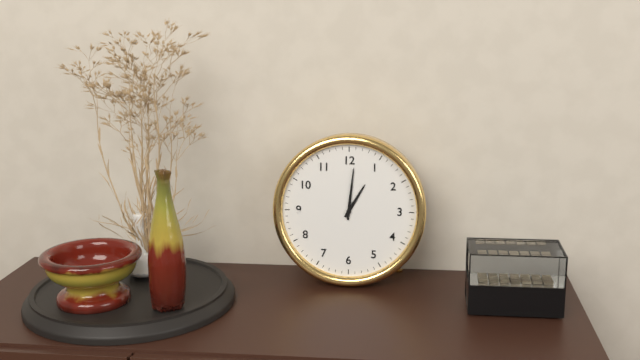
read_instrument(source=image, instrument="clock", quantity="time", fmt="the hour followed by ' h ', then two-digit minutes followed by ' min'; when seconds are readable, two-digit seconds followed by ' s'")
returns 1 h 01 min
